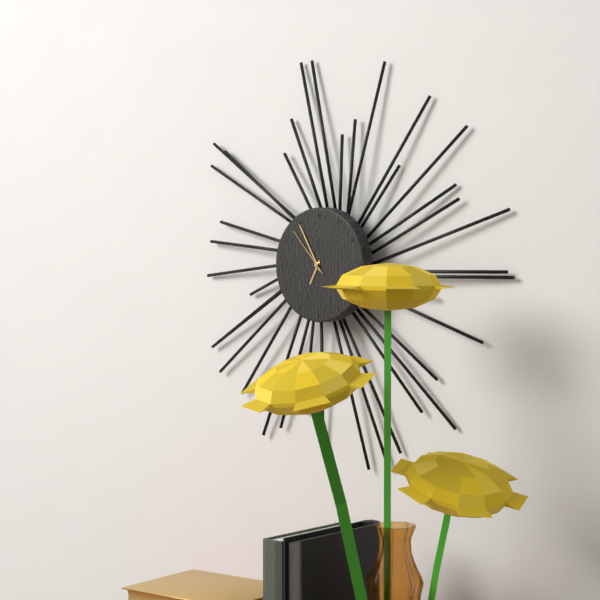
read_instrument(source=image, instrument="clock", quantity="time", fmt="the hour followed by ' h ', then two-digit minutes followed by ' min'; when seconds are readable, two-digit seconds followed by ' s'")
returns 6 h 55 min 53 s
